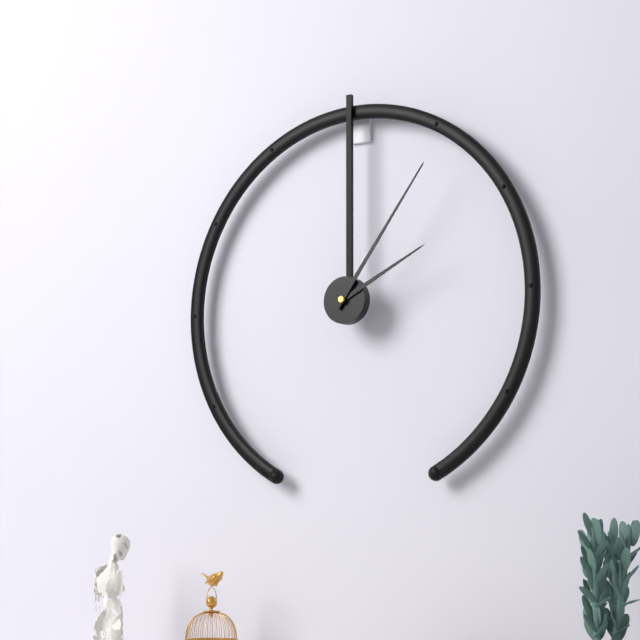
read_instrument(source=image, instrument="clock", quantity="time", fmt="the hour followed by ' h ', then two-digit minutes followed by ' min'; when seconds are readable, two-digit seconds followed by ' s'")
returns 2 h 06 min
